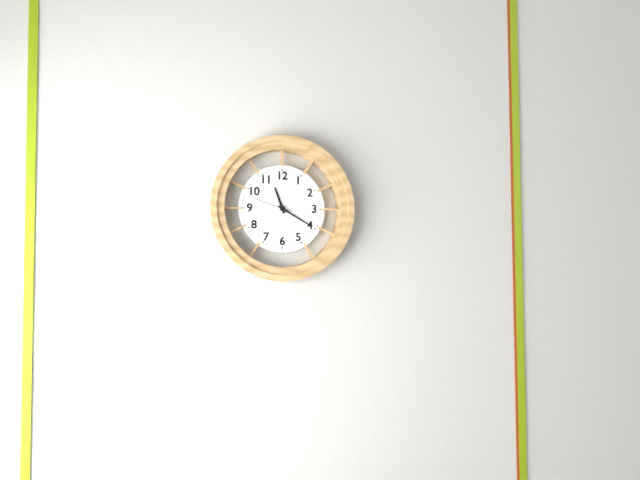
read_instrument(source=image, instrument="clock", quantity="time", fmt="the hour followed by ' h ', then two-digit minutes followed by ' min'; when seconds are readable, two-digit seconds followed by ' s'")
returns 11 h 20 min
